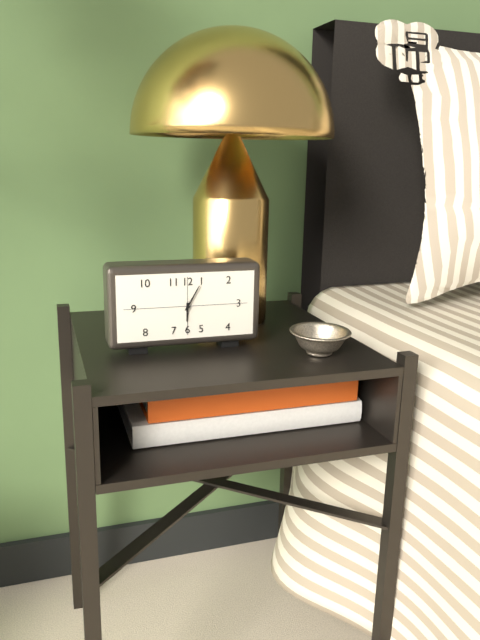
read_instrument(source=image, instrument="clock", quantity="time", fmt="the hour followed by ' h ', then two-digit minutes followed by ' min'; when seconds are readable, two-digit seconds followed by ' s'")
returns 6 h 05 min
